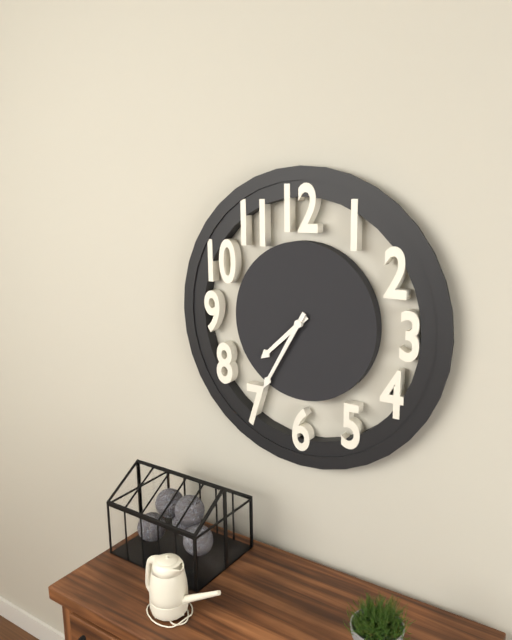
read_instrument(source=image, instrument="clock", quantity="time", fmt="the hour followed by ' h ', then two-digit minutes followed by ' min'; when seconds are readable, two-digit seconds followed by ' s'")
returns 7 h 35 min
